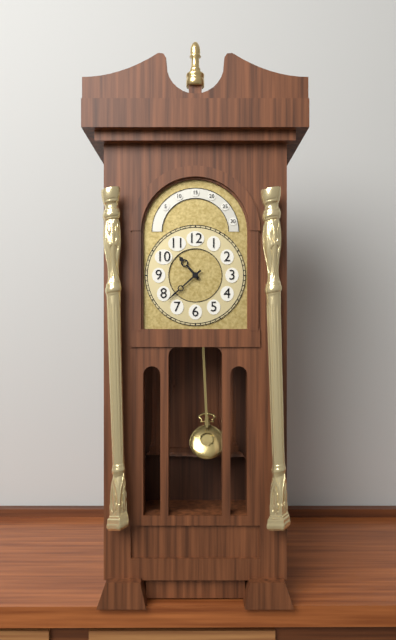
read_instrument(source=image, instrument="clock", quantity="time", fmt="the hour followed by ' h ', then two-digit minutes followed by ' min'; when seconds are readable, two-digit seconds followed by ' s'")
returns 10 h 38 min
